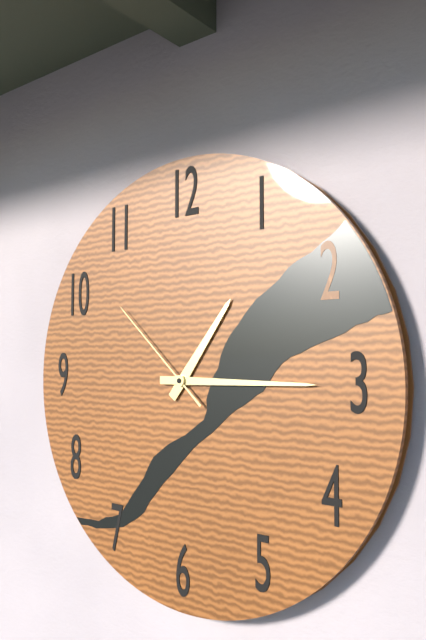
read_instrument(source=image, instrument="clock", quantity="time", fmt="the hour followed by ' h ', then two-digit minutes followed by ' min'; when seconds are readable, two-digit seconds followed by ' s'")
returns 1 h 15 min 52 s
